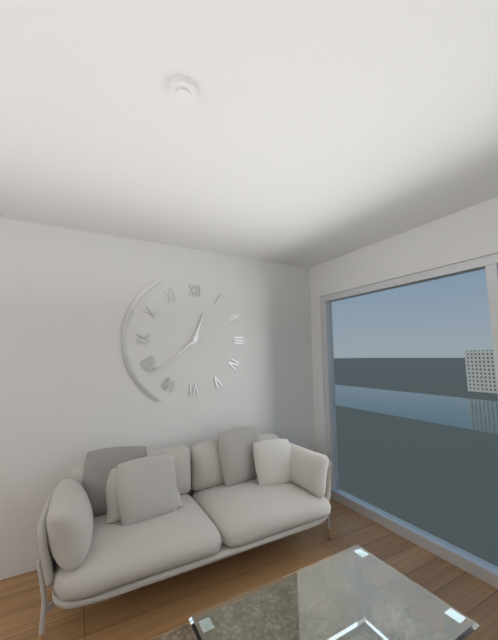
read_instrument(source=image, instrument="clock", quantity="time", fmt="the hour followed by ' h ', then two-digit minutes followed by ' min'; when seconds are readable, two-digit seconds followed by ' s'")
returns 12 h 38 min
